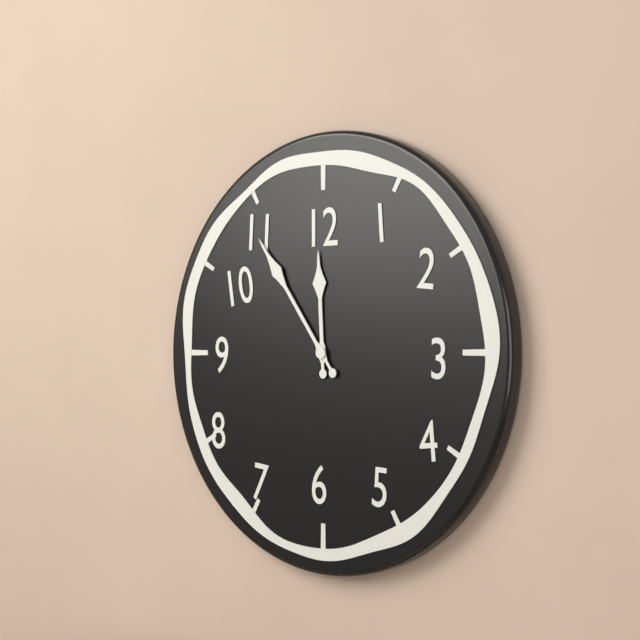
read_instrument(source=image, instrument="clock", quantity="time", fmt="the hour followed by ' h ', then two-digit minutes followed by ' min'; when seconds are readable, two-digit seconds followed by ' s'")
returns 11 h 54 min
